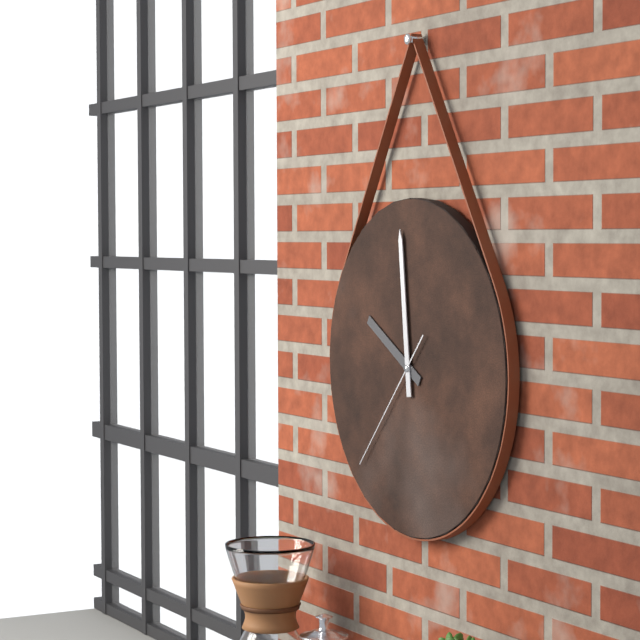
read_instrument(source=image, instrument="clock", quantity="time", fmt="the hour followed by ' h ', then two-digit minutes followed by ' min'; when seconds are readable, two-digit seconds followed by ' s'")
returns 9 h 59 min 37 s
